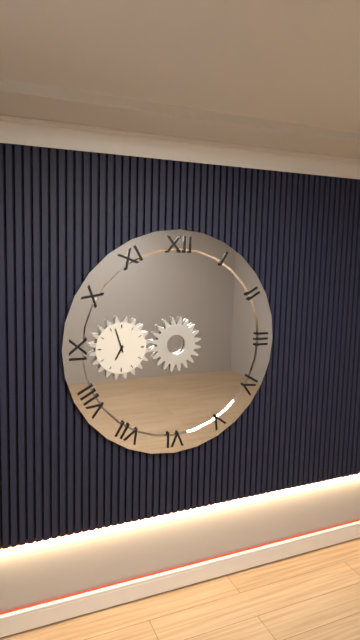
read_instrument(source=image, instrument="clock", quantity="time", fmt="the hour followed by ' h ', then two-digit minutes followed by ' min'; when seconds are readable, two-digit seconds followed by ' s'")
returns 6 h 57 min
